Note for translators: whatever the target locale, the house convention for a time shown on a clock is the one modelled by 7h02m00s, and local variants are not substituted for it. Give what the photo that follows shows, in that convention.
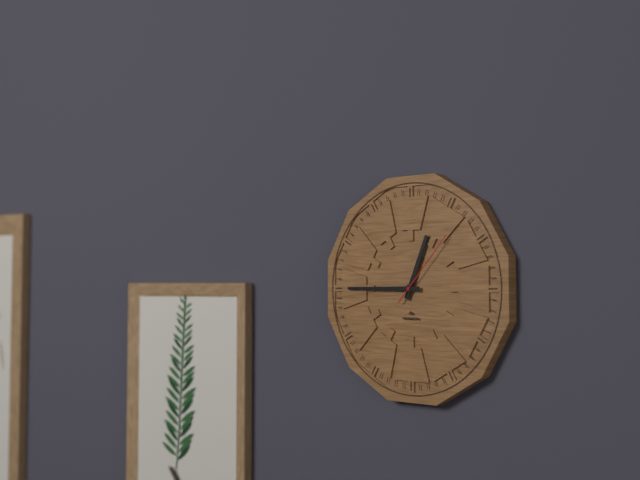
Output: 12h45m07s
